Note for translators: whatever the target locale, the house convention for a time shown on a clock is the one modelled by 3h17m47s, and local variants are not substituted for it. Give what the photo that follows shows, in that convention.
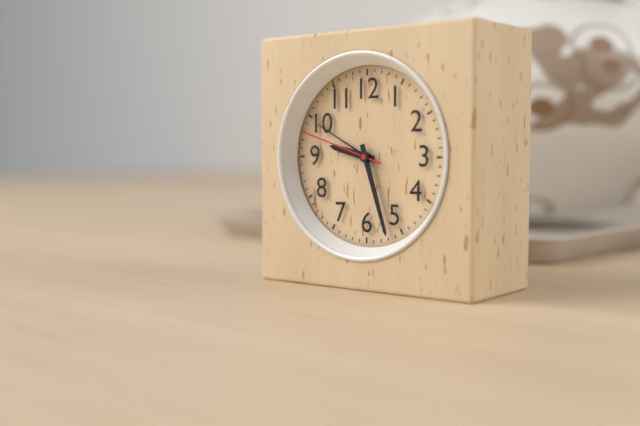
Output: 9h27m48s
